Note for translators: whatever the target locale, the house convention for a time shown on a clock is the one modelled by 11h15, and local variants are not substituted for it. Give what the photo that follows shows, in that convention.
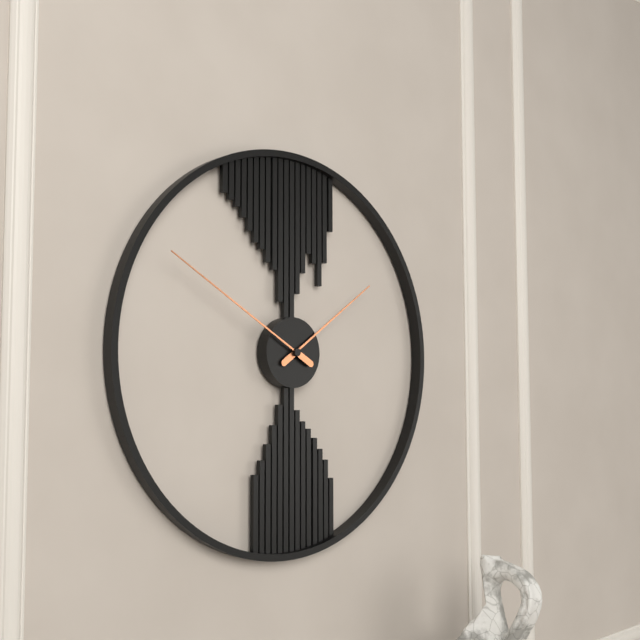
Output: 1h50
